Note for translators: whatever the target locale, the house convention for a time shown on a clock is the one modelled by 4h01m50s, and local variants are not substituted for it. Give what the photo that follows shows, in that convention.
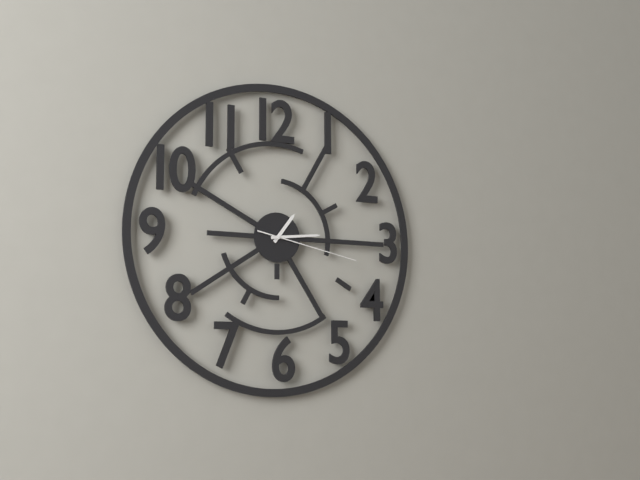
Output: 1h14m17s
